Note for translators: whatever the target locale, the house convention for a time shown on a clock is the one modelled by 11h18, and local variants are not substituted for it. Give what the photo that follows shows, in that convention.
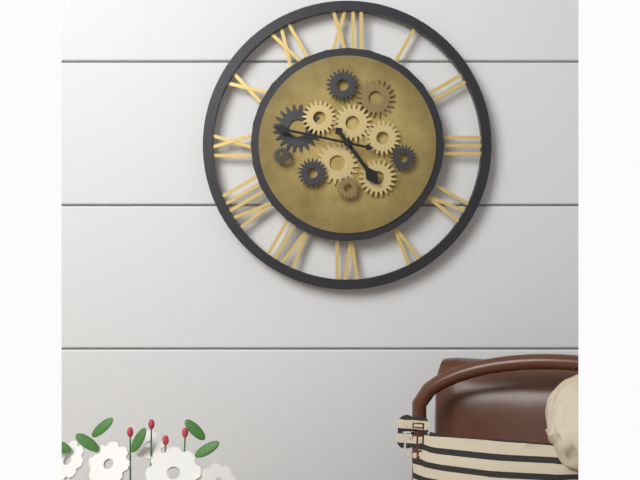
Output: 4h47
